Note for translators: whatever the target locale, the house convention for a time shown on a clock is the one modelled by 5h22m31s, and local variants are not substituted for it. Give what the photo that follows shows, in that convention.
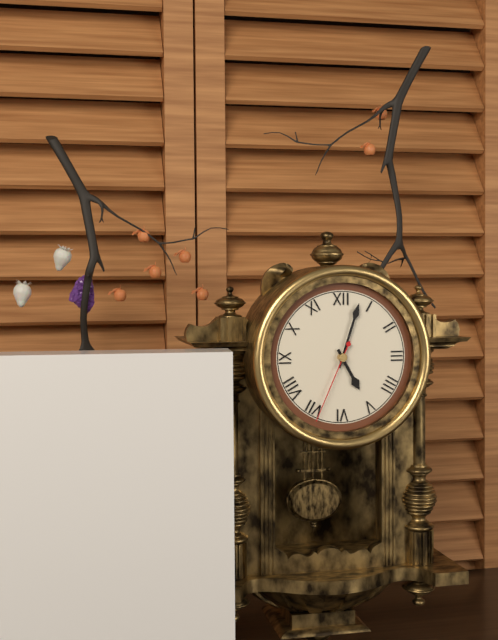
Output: 5h03m34s
